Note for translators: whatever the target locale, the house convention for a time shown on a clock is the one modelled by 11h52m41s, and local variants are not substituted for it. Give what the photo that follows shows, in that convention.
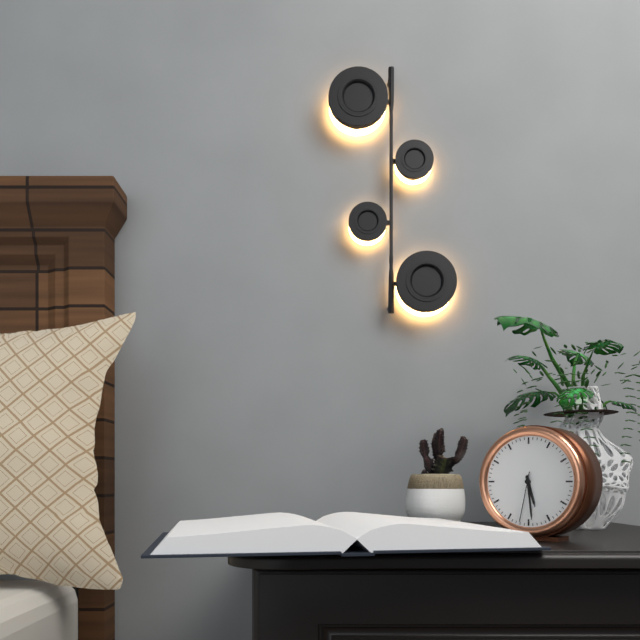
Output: 5h29m32s
